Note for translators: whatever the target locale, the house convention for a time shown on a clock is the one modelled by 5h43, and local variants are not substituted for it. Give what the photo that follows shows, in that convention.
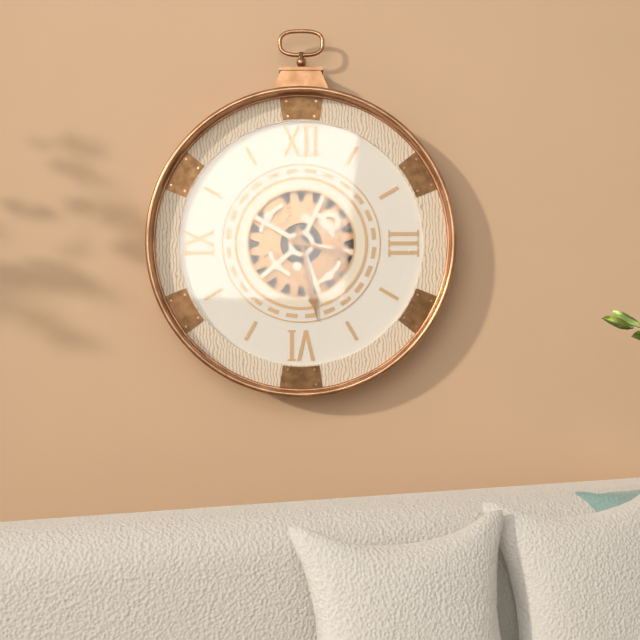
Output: 3h28
